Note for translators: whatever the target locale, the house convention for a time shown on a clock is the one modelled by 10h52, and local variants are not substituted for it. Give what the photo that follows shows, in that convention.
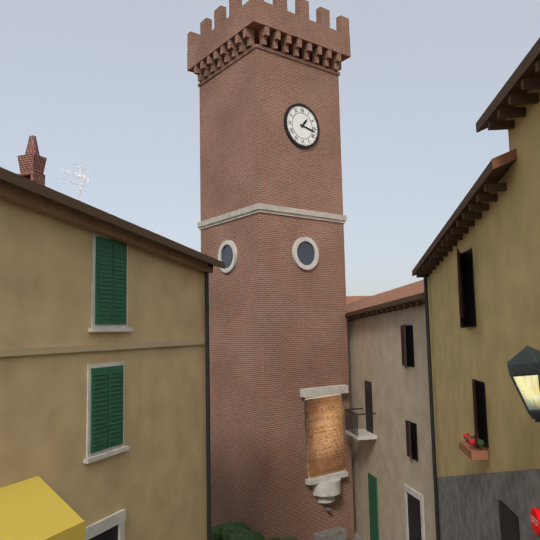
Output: 1h17
